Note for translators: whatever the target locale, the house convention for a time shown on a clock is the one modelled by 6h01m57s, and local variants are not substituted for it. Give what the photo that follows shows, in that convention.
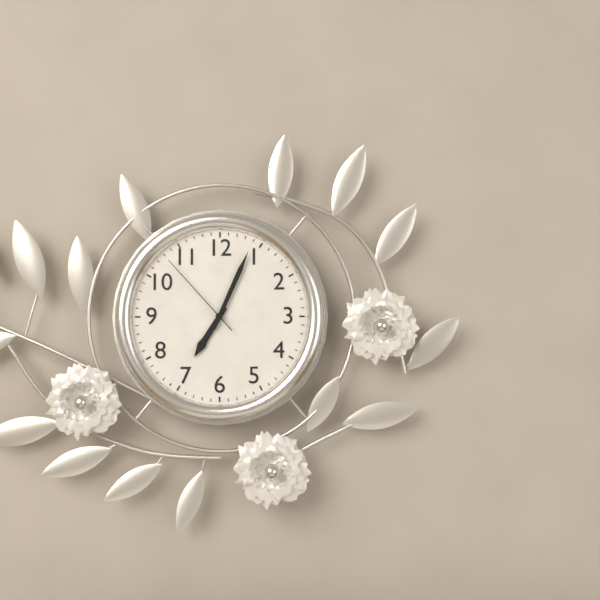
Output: 7h04m53s
